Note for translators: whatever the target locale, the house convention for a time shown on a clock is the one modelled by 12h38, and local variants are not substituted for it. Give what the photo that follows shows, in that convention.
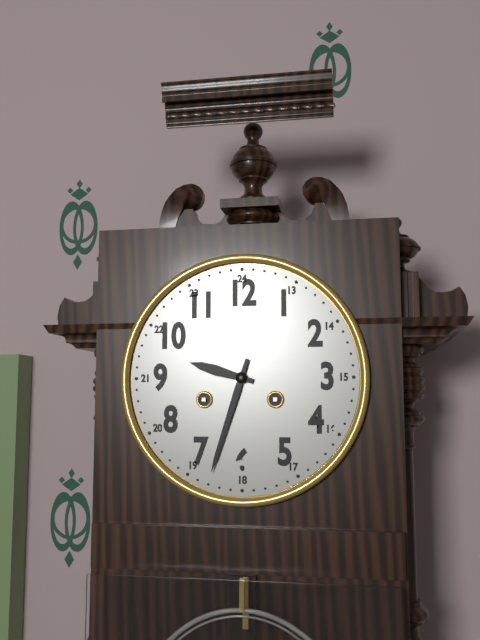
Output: 9h33
